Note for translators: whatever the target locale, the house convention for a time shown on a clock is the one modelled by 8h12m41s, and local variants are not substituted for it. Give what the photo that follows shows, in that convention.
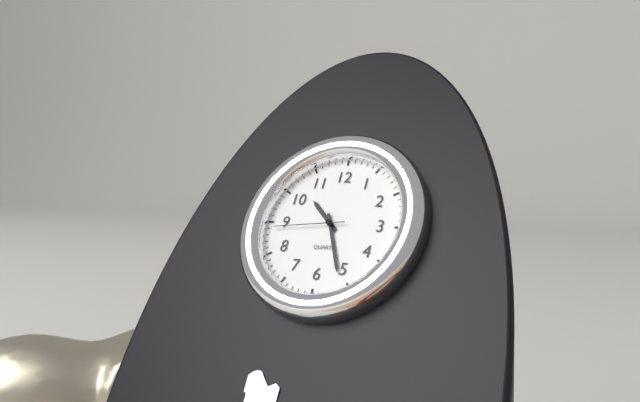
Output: 10h26m44s
